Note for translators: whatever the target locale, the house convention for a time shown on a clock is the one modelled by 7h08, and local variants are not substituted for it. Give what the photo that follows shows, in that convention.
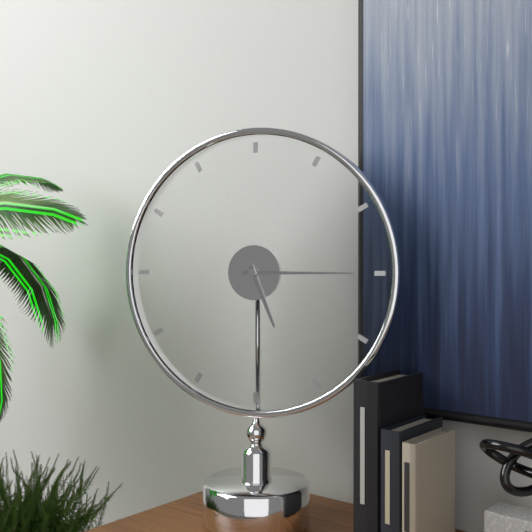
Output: 5h15
